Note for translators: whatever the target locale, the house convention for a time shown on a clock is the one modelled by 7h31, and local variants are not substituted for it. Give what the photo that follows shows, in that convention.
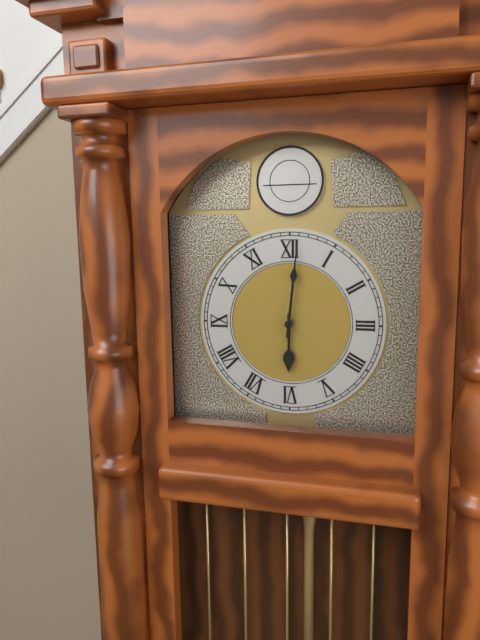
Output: 6h01
